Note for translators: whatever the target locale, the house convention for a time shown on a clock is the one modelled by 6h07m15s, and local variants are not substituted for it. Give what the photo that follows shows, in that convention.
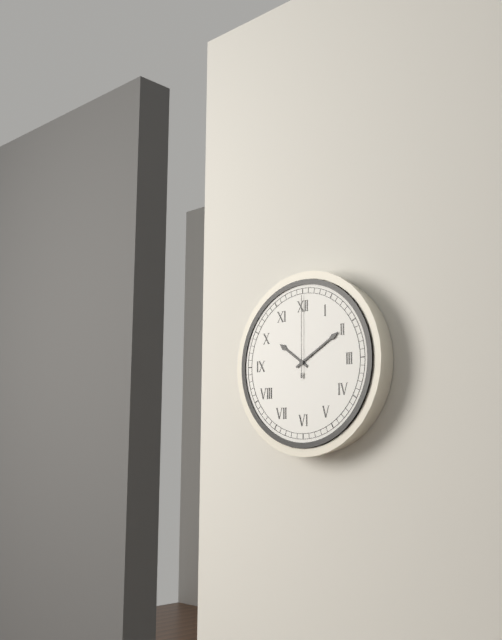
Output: 10h10m00s
